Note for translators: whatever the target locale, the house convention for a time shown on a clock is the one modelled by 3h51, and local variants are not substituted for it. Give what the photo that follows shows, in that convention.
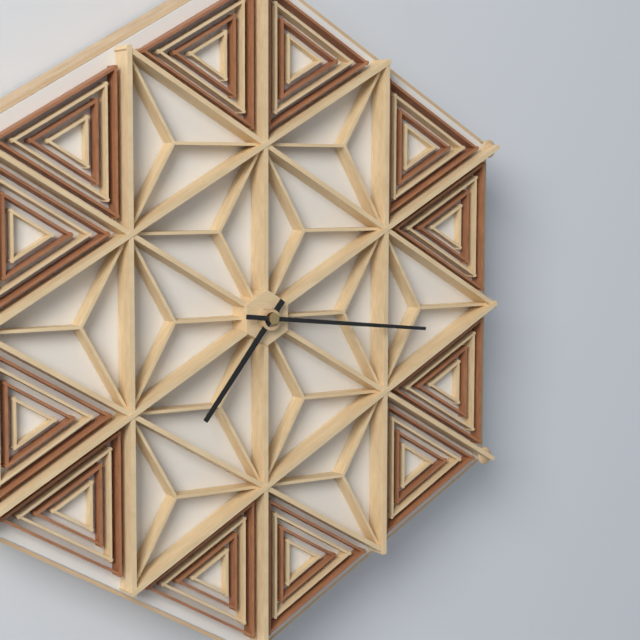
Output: 7h16
